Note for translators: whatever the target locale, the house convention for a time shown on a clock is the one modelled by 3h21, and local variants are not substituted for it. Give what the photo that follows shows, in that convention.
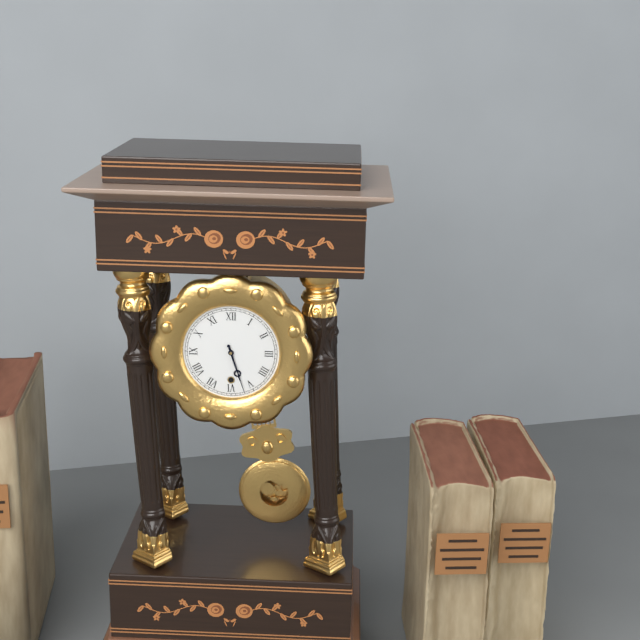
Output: 5h27
